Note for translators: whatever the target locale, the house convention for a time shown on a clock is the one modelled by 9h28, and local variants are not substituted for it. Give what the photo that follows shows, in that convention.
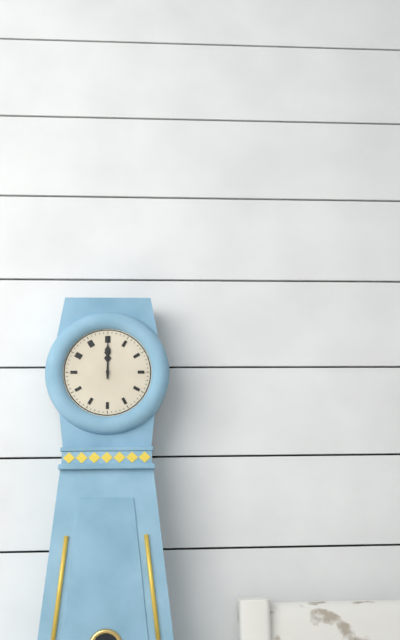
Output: 12h00
